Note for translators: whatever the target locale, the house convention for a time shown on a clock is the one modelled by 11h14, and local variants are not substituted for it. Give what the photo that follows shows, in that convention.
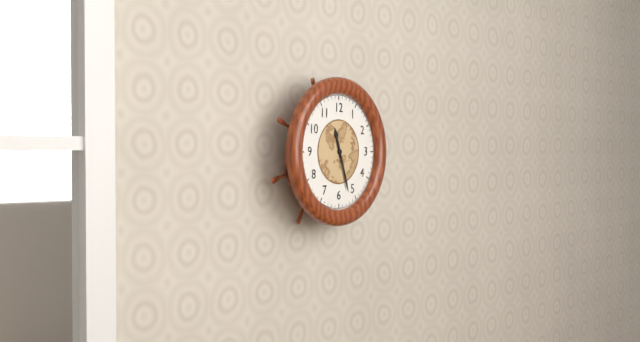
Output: 11h27
